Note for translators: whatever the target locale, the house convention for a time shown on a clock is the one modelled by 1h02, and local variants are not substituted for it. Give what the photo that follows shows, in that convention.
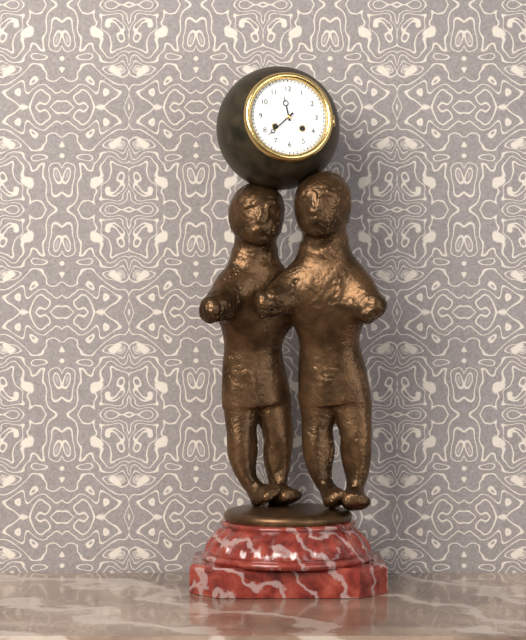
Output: 11h38
